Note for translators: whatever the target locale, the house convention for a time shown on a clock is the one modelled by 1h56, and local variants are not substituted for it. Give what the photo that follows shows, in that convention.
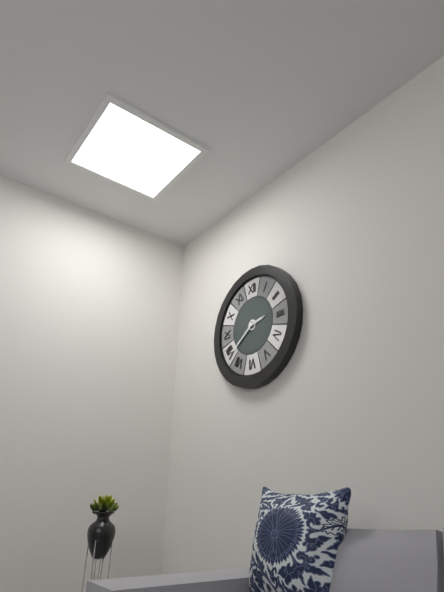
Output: 2h39
